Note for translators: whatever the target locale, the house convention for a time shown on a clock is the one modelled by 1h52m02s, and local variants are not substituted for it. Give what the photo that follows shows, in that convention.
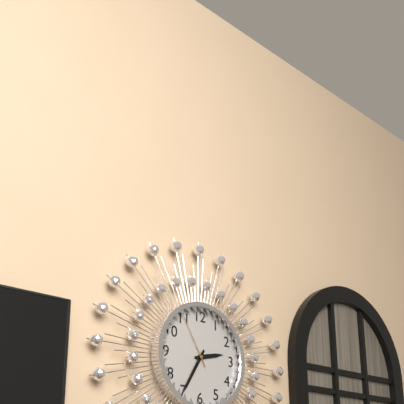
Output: 2h35m55s
